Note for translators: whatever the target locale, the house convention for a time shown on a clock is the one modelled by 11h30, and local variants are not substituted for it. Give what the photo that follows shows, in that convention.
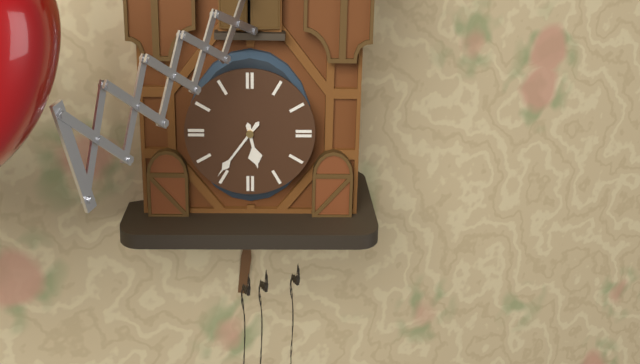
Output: 5h36
